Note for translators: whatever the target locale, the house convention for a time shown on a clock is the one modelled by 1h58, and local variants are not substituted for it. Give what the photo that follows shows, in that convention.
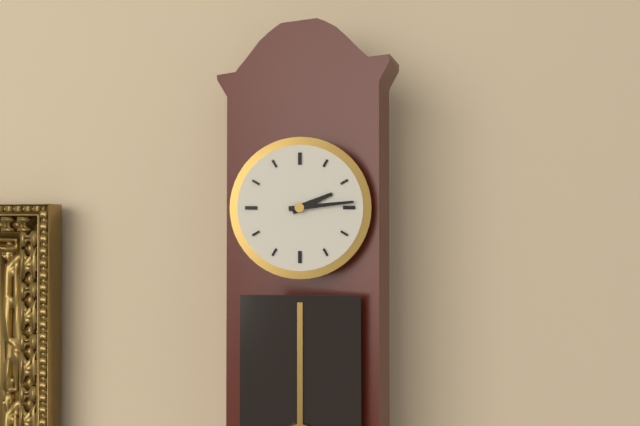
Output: 2h14
